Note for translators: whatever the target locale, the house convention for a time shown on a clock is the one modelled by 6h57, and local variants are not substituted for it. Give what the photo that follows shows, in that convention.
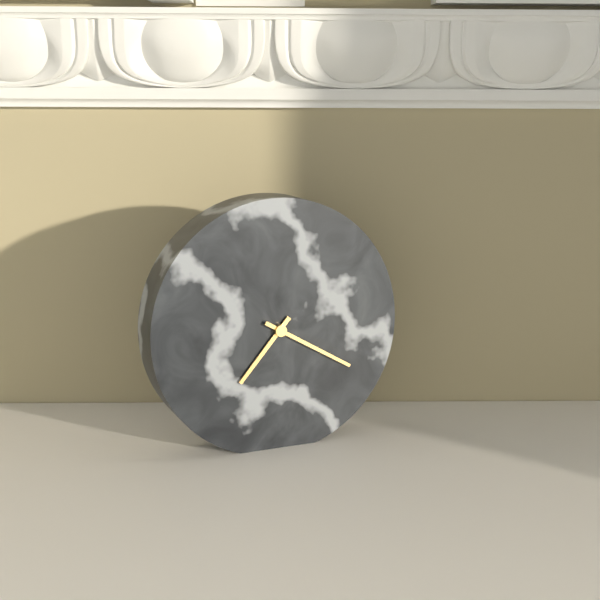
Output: 7h20
